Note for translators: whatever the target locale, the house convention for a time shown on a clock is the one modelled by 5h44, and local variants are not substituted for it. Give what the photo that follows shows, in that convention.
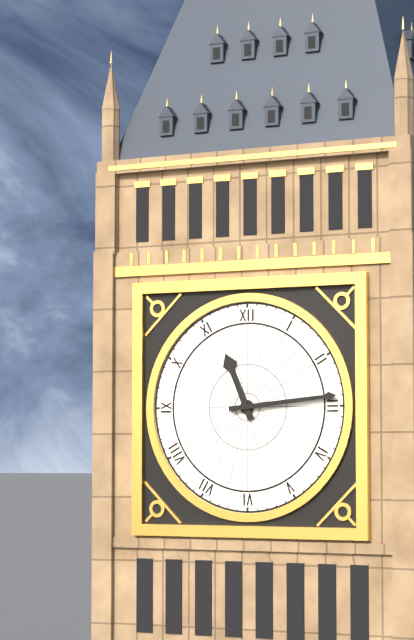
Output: 11h14
